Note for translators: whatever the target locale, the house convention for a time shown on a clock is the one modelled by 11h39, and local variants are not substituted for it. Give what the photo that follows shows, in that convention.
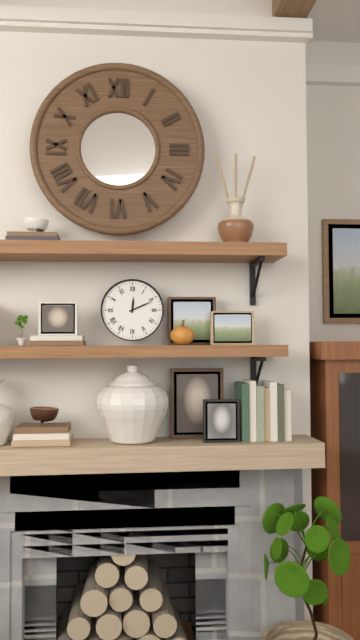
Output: 12h11
